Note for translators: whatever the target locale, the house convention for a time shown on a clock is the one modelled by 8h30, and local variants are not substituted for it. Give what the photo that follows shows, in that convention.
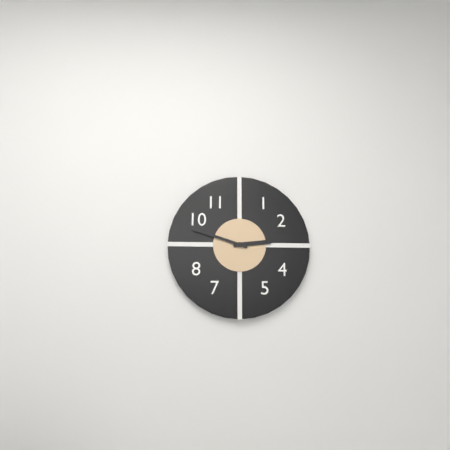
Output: 2h48
